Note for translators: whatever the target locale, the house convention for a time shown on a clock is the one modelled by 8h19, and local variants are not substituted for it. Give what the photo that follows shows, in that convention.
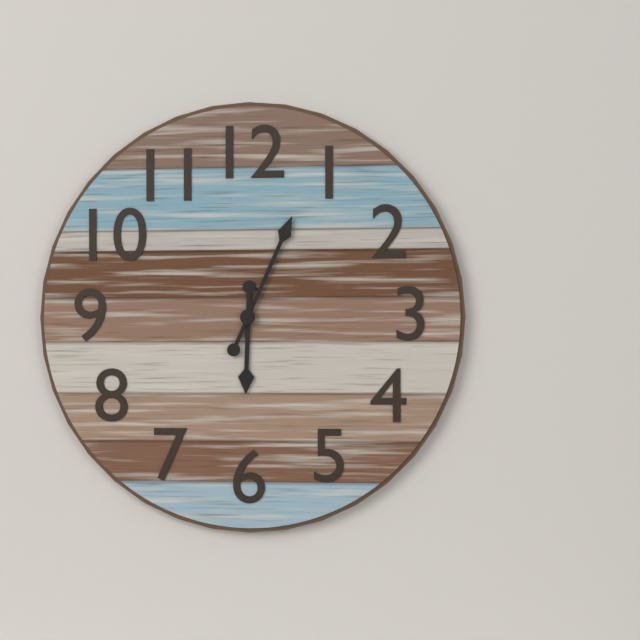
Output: 6h04
